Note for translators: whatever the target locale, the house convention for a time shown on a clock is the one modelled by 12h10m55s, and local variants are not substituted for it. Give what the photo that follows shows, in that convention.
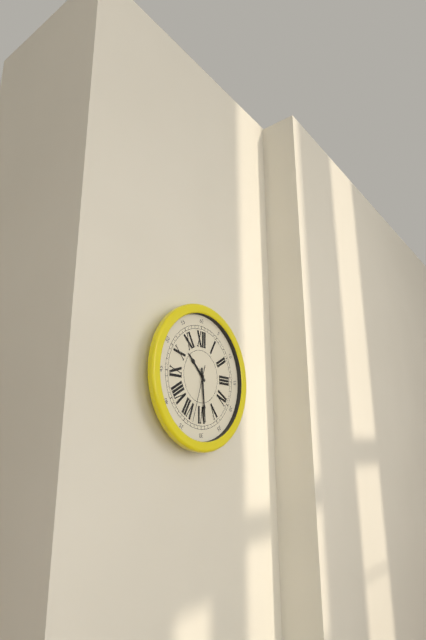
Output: 10h29m33s
